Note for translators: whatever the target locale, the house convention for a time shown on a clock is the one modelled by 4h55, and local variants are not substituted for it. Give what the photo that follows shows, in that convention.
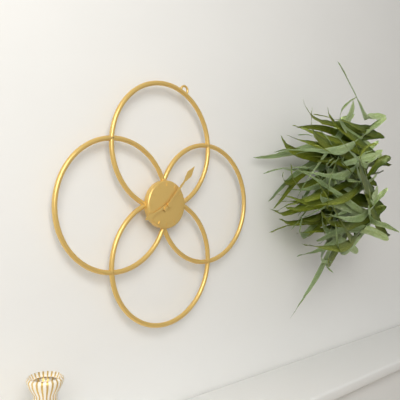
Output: 8h07
